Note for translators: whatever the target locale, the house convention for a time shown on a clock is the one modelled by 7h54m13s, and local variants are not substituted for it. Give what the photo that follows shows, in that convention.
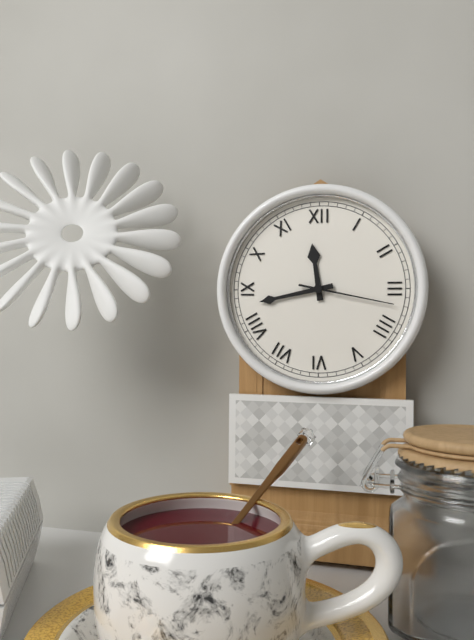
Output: 11h43m17s
